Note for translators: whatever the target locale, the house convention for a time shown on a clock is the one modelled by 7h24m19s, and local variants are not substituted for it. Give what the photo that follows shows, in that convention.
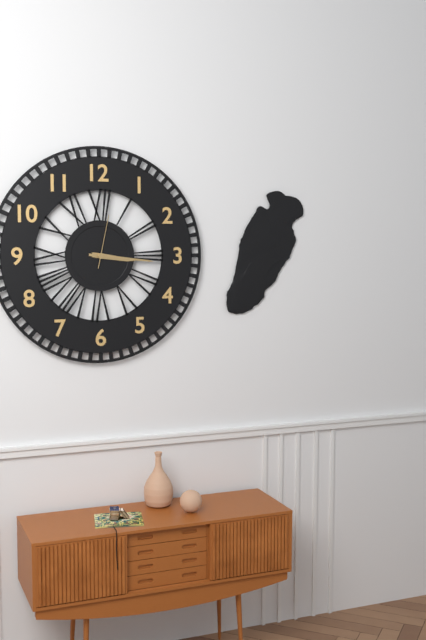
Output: 3h16m02s
